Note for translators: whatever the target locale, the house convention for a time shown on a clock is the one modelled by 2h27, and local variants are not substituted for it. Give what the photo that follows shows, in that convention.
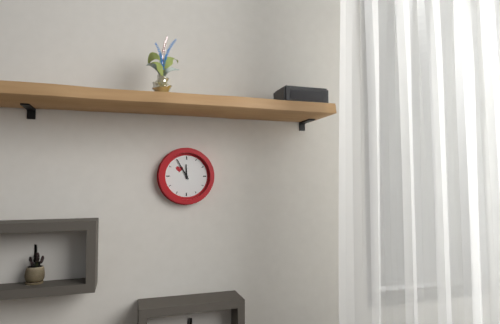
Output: 11h55
